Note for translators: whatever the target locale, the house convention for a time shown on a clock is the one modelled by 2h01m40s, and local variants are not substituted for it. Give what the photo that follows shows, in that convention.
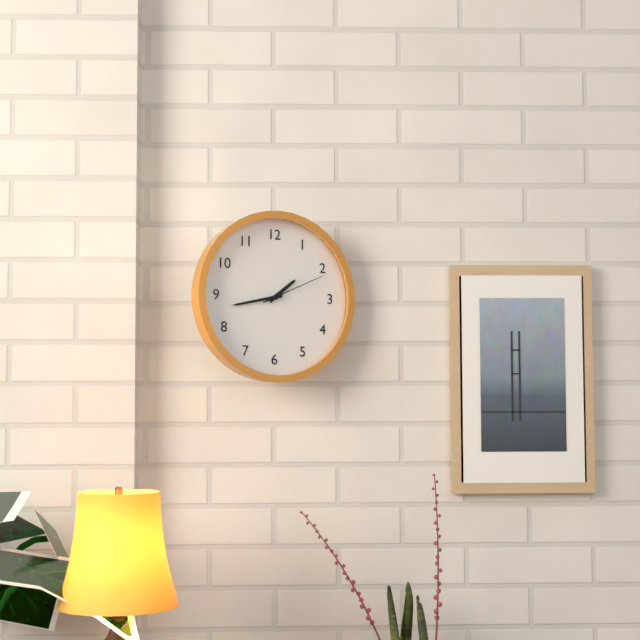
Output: 1h43m11s
